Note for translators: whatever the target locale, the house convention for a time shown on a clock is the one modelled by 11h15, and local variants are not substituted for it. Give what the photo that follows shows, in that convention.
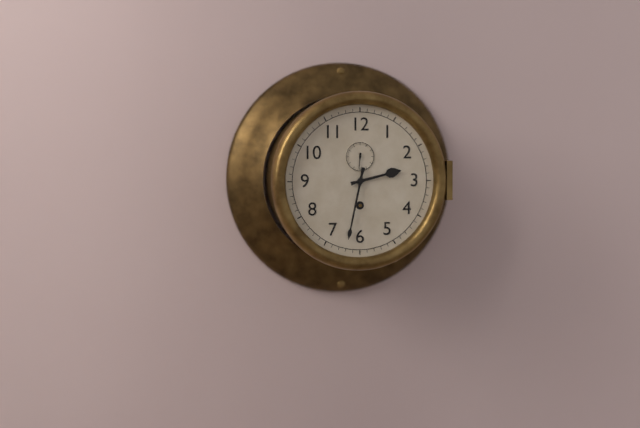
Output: 2h32
